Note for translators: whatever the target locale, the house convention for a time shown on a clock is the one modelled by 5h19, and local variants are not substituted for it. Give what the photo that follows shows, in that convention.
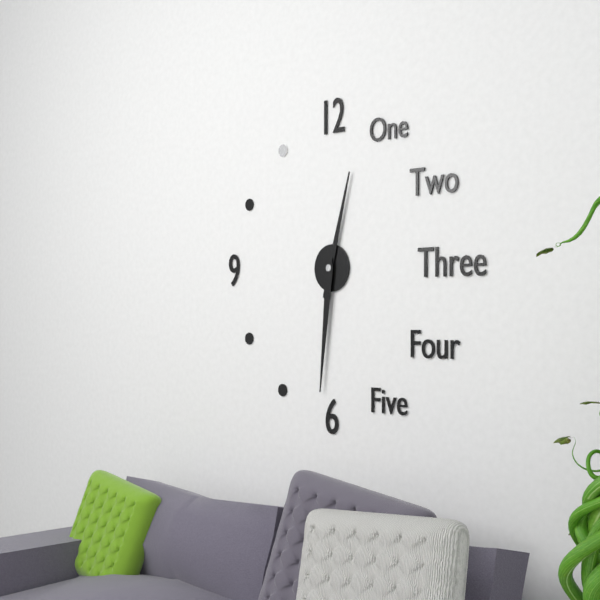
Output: 12h31
